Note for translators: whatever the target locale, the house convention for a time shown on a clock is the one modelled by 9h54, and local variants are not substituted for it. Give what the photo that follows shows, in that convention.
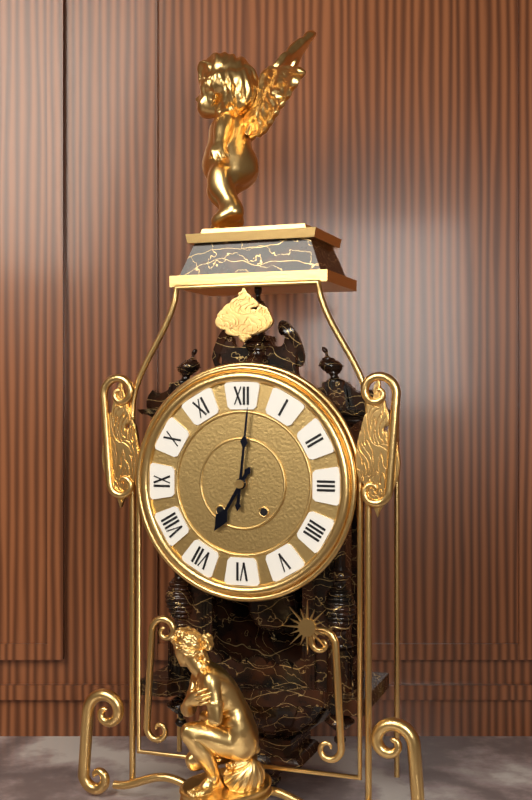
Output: 7h01
